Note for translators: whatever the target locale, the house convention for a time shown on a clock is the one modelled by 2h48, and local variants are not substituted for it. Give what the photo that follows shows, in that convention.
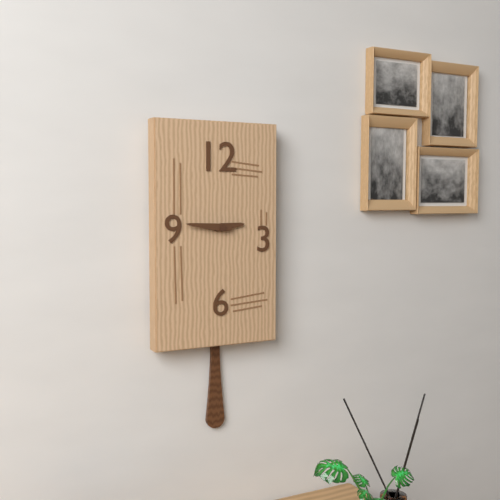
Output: 2h46
